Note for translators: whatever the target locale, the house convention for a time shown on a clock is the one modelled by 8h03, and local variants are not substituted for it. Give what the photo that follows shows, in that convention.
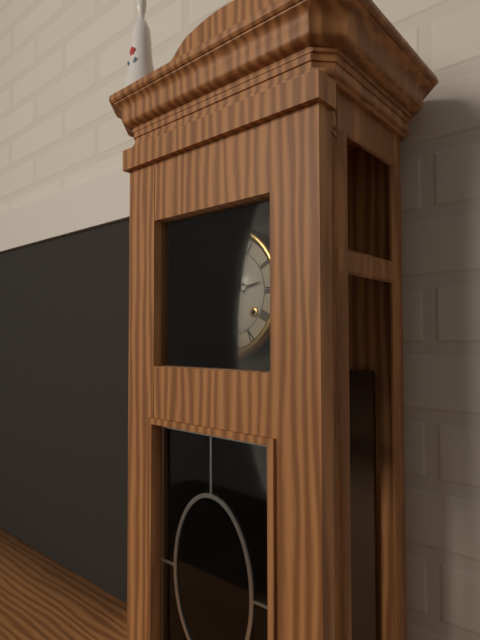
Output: 1h13
